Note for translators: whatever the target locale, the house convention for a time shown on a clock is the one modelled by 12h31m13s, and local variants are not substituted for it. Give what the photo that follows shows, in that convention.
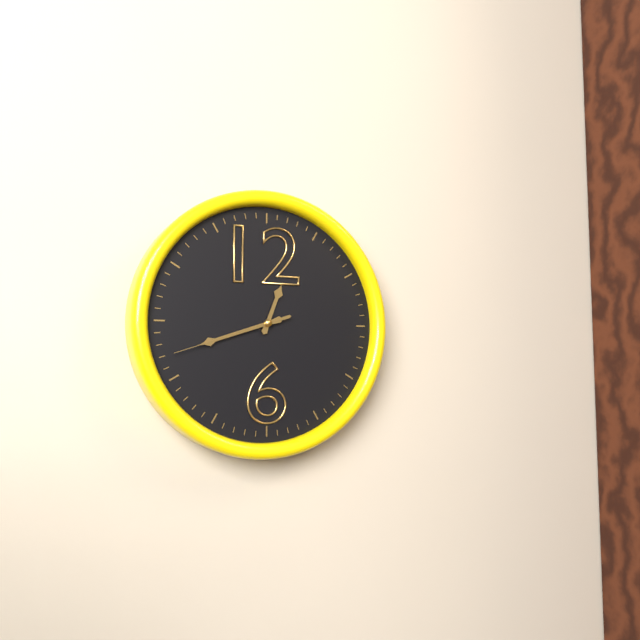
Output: 12h42m42s
